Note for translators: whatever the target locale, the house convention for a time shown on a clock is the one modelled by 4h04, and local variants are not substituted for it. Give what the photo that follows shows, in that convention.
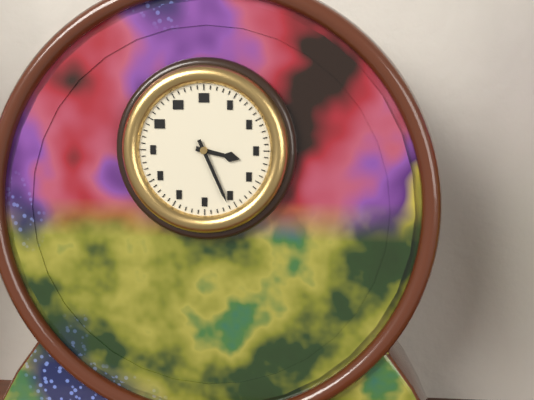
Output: 3h26
